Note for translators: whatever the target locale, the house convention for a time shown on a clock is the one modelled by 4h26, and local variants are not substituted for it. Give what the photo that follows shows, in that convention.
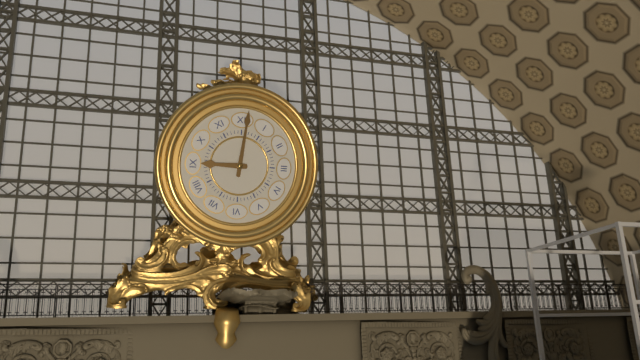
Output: 9h01
